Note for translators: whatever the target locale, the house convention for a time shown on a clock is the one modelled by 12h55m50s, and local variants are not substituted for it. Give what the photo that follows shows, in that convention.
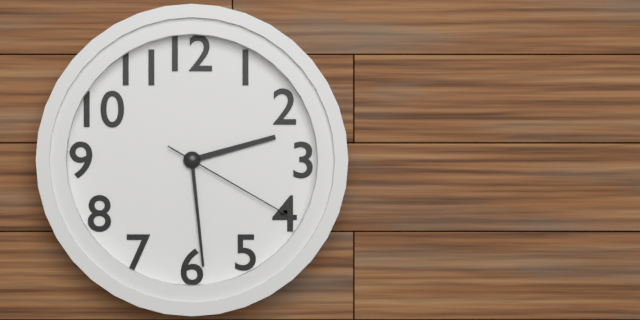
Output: 2h29m20s
